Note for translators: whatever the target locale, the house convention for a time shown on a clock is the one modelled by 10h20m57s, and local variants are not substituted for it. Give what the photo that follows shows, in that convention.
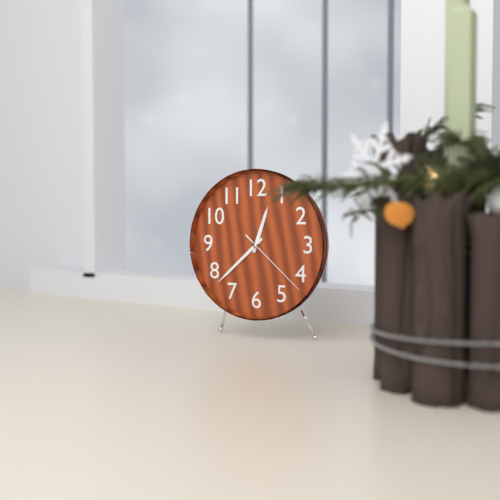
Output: 12h38m22s
